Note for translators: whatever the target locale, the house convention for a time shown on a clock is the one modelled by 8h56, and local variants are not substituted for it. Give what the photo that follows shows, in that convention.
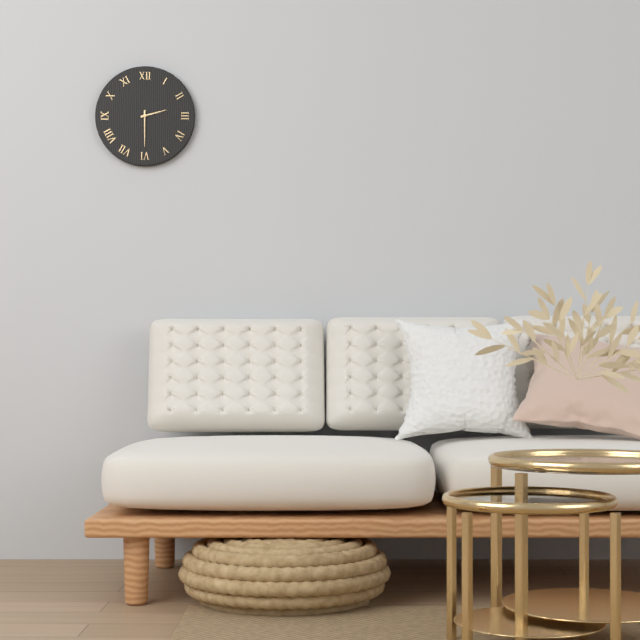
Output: 2h30
